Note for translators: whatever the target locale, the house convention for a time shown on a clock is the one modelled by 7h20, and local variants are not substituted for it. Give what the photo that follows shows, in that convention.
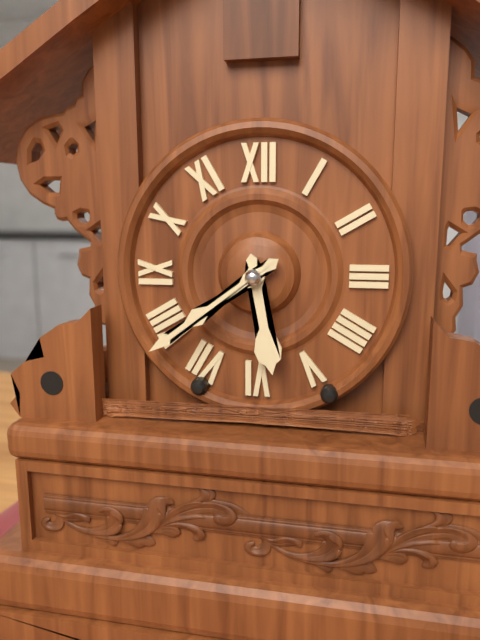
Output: 5h39
